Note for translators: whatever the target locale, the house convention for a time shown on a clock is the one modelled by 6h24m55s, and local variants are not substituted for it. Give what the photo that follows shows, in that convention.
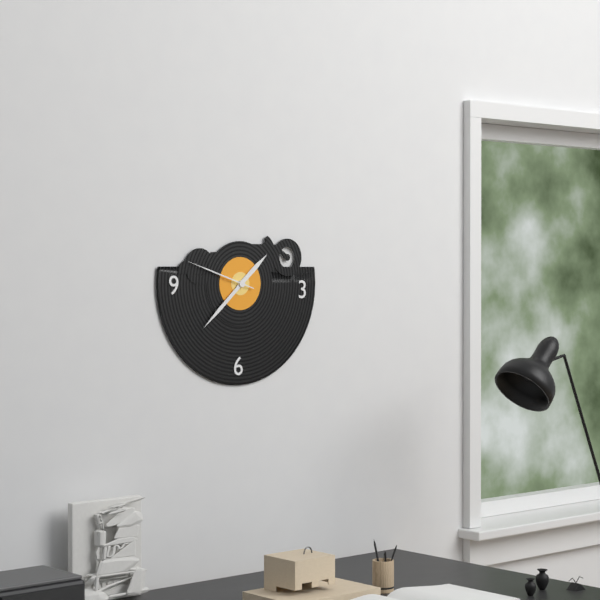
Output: 1h38m48s
